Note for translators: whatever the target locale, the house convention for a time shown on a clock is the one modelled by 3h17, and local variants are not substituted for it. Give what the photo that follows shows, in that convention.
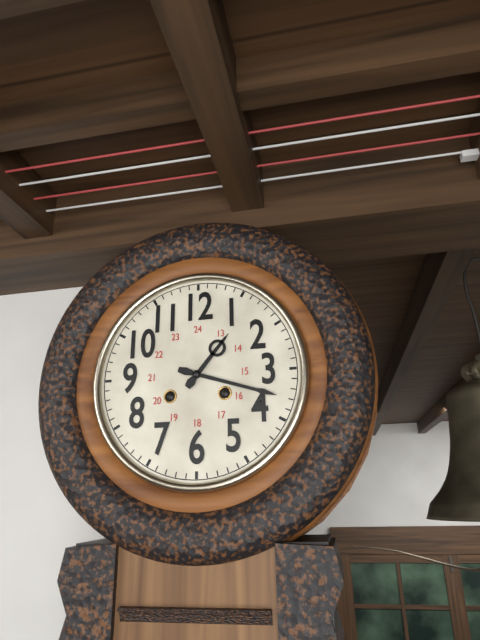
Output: 1h18
